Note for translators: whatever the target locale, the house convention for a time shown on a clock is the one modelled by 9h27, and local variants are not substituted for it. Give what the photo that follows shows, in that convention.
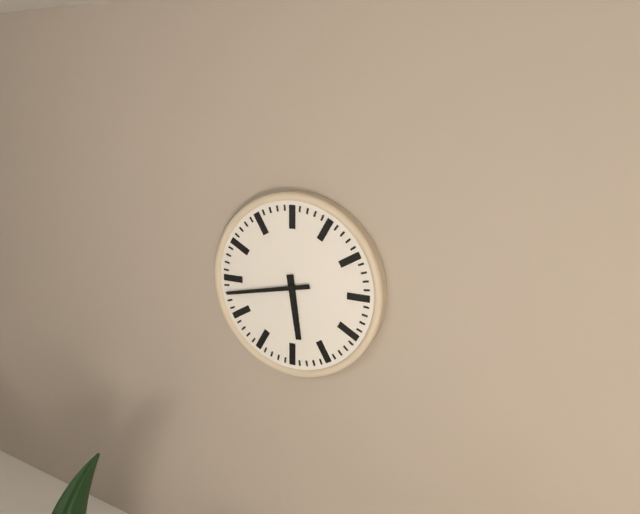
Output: 5h43
